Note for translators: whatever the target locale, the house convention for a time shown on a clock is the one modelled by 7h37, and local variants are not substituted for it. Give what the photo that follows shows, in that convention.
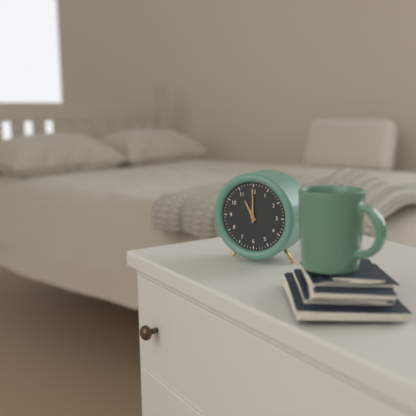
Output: 11h00
